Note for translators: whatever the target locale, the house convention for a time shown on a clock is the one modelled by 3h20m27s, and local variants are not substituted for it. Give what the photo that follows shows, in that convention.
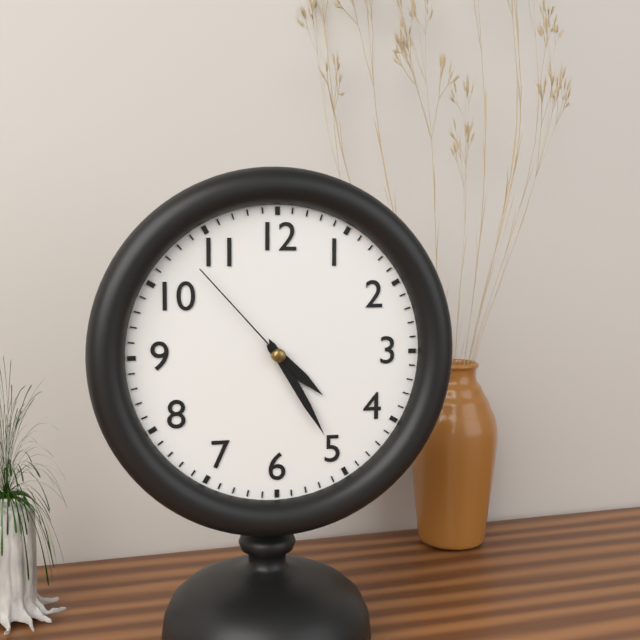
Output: 4h25m53s
